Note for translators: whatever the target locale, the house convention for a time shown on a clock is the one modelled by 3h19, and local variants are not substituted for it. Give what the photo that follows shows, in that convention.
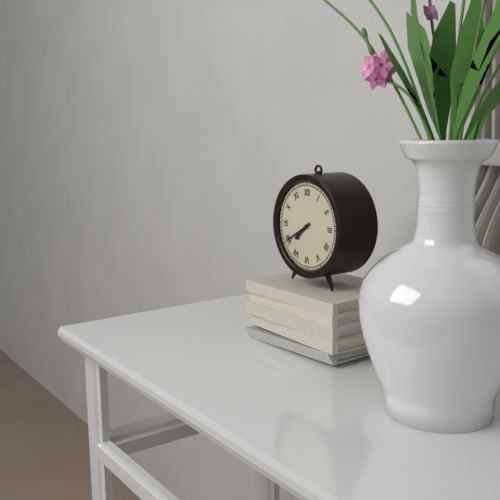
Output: 7h40
